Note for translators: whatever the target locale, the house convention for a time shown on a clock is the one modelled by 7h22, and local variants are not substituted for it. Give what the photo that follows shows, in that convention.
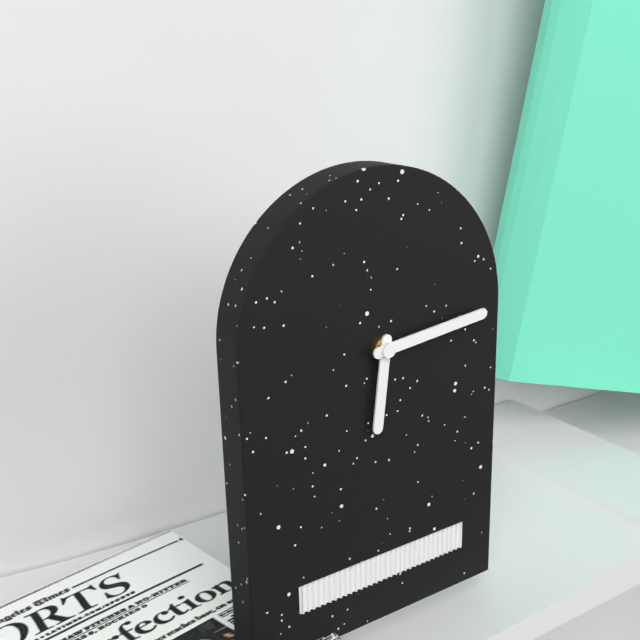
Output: 6h14
